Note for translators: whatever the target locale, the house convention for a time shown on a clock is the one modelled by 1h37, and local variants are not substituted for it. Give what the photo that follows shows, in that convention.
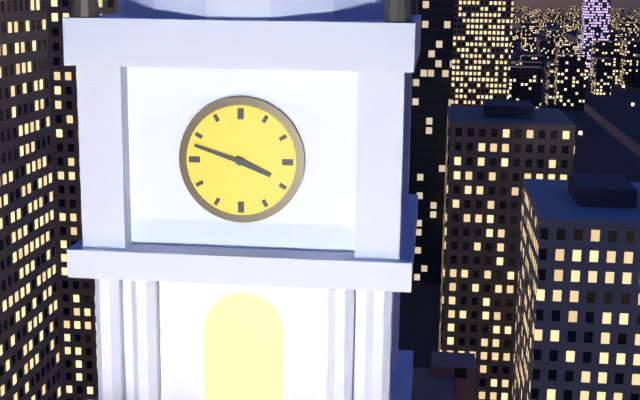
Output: 3h48
